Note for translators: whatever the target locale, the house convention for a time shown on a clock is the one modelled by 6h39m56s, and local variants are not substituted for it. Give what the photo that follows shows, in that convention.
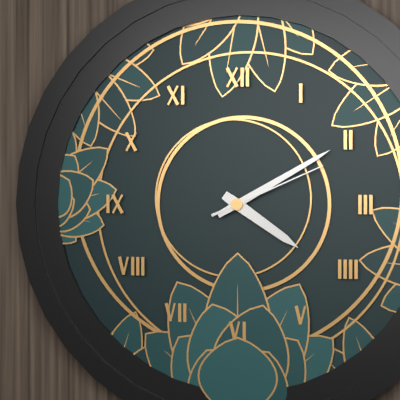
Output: 4h10m11s
